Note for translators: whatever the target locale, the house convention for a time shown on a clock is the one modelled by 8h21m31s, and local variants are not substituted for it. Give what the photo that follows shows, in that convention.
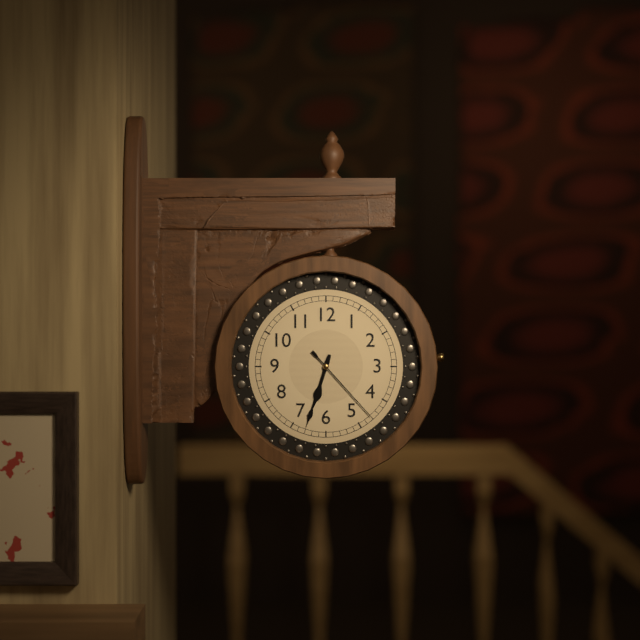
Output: 6h33m23s
